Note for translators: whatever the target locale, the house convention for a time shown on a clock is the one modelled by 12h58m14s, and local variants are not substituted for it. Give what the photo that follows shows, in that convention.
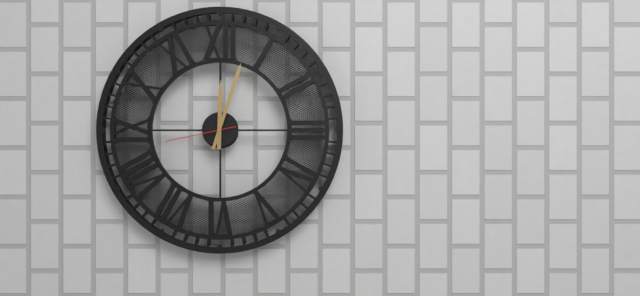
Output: 12h03m43s
